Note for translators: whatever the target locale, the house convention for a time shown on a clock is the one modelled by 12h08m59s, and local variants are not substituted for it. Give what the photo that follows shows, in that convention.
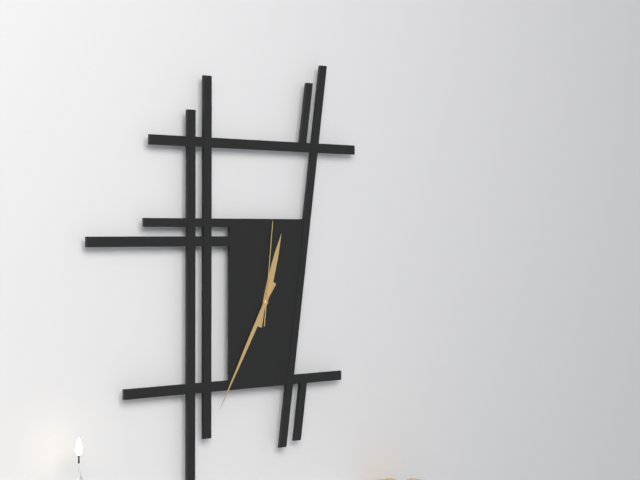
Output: 12h35m01s
